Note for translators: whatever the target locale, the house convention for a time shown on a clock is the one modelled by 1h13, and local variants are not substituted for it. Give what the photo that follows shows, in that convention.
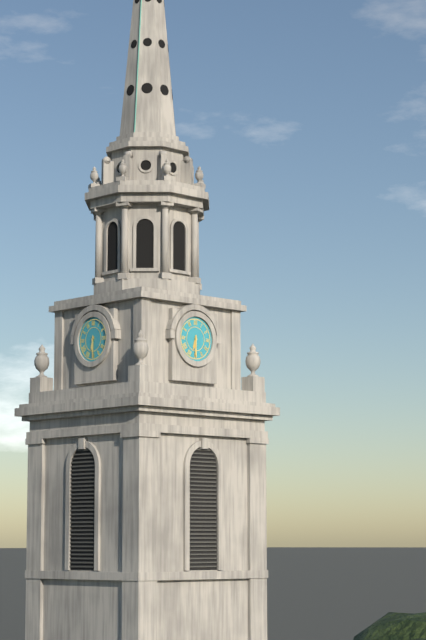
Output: 6h30
